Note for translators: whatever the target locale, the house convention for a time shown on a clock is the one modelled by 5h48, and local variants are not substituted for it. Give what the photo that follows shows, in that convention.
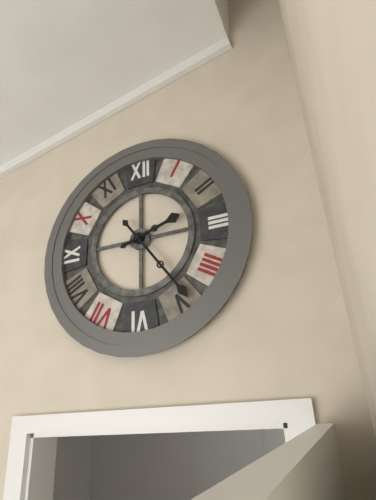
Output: 2h24
